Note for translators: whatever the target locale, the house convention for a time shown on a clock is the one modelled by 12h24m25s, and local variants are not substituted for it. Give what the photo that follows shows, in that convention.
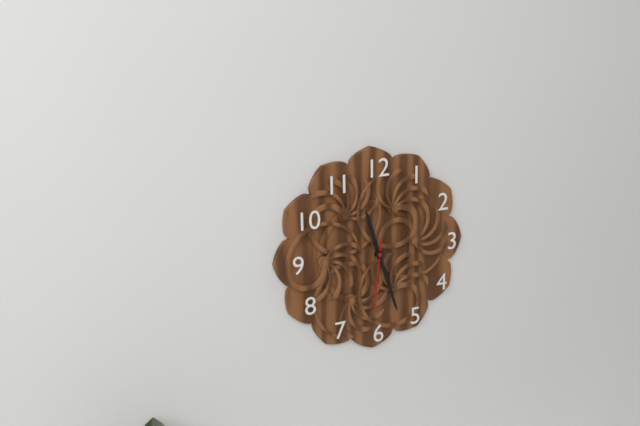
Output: 11h27m31s
